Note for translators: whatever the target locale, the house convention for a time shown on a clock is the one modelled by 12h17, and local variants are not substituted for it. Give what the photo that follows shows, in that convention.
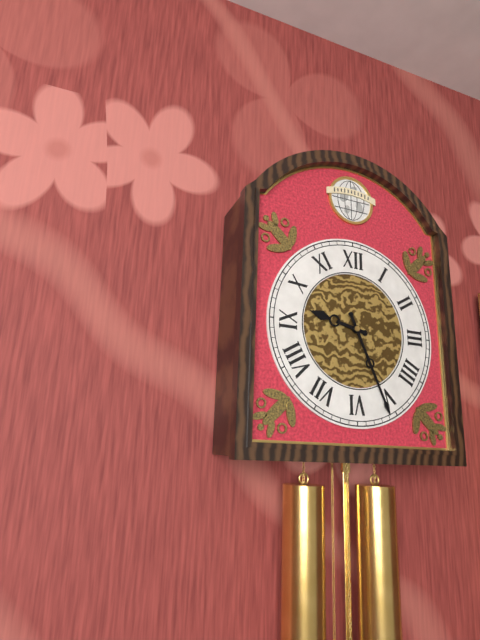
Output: 9h26
